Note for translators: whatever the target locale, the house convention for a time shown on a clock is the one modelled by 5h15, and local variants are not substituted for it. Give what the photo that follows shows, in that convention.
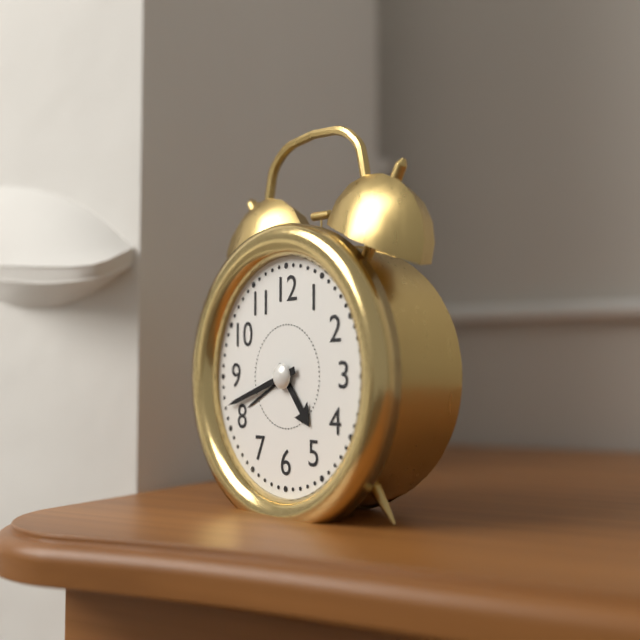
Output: 4h42
